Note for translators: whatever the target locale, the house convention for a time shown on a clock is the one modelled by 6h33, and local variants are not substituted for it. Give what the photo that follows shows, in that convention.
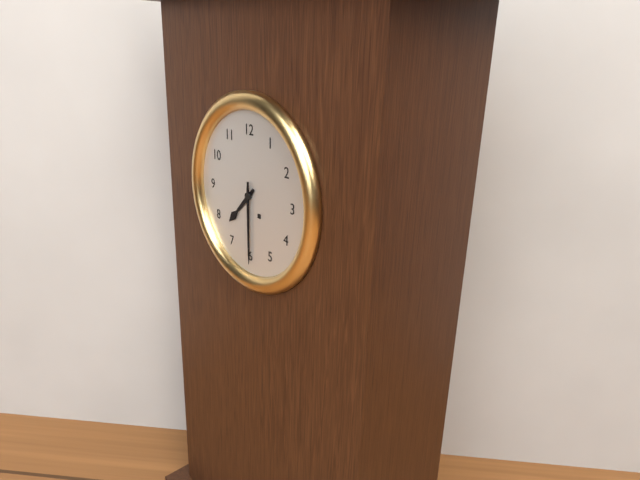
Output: 7h30
